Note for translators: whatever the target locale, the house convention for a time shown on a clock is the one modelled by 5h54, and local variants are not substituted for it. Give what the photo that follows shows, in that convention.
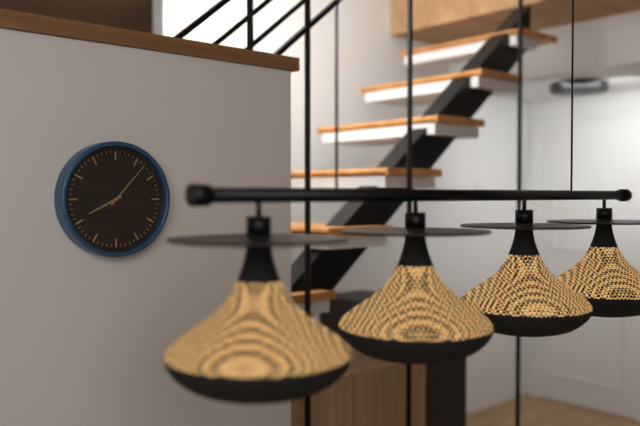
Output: 8h07
